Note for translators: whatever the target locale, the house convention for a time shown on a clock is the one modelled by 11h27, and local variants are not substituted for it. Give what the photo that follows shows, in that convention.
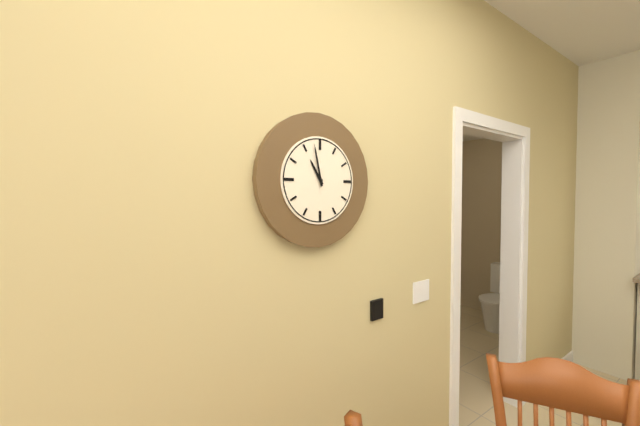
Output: 10h58
